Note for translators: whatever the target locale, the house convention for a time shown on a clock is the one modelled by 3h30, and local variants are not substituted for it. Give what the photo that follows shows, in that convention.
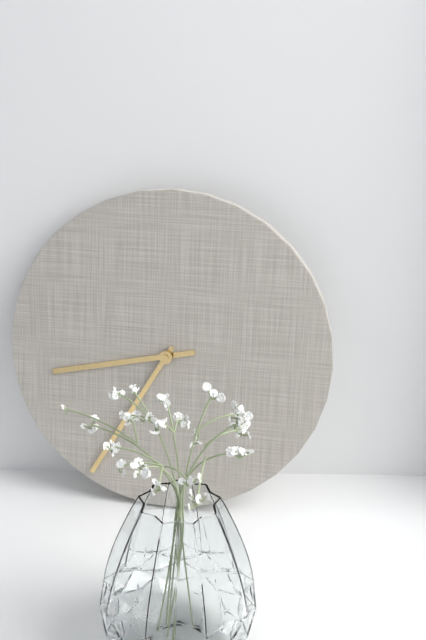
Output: 8h35
